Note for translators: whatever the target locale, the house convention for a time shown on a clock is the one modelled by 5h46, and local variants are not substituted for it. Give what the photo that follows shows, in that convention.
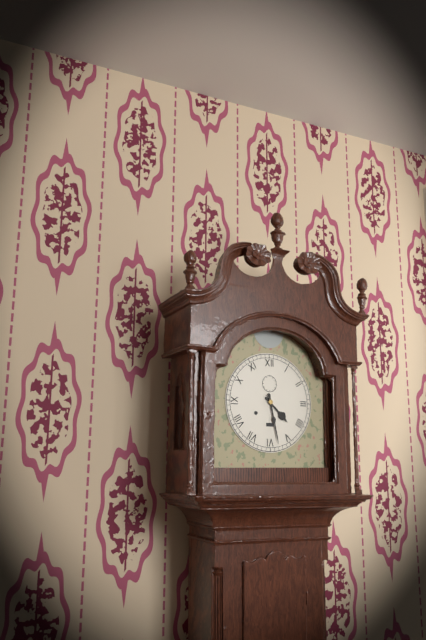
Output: 4h28
